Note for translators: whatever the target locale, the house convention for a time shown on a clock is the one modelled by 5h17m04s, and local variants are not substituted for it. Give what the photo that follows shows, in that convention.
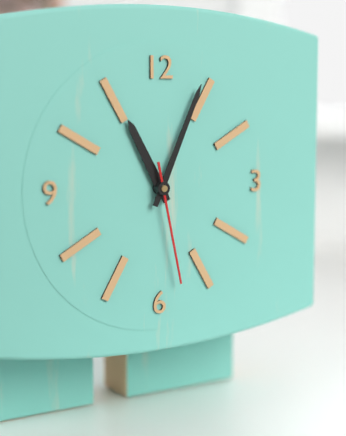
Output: 11h04m28s
